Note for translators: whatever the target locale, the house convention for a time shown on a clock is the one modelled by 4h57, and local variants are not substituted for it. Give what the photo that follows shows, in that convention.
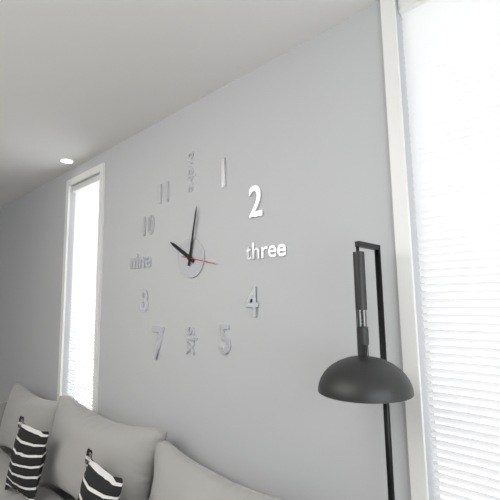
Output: 10h02
